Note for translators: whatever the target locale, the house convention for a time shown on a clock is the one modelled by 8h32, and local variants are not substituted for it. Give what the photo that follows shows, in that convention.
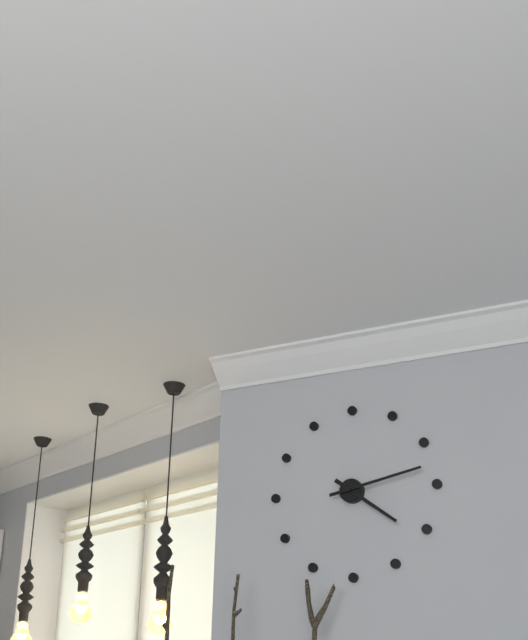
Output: 4h13
